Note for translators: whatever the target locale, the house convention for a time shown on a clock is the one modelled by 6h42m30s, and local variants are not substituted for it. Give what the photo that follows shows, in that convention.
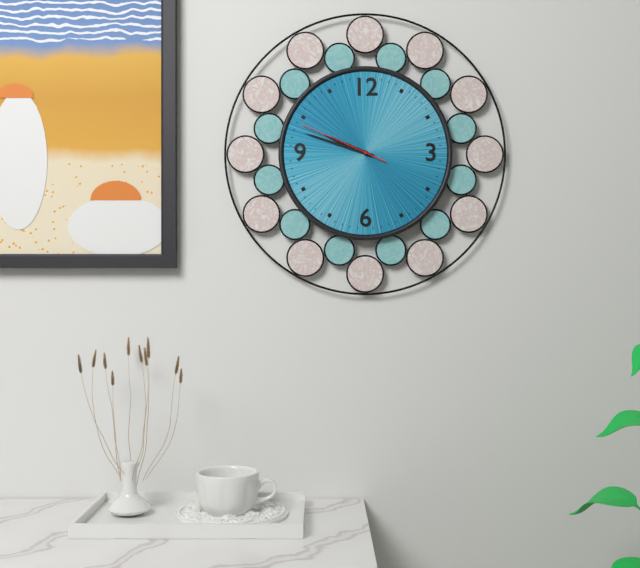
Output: 9h48m49s
